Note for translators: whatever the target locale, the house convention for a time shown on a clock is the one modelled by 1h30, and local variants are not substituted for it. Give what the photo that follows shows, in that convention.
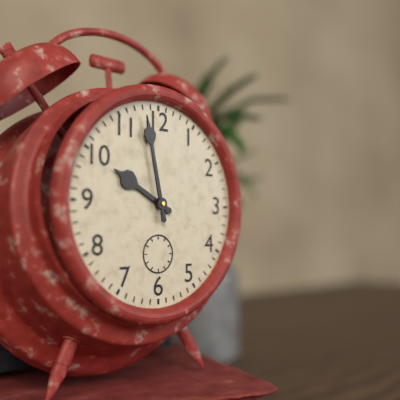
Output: 9h58
